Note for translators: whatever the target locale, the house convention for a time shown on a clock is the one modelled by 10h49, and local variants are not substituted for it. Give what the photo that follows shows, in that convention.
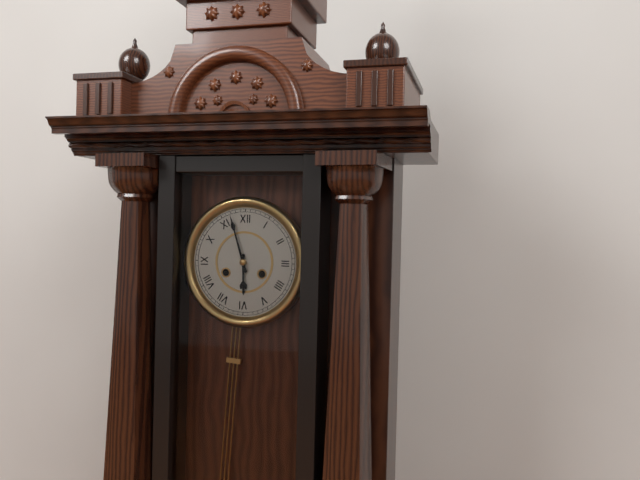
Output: 5h57
